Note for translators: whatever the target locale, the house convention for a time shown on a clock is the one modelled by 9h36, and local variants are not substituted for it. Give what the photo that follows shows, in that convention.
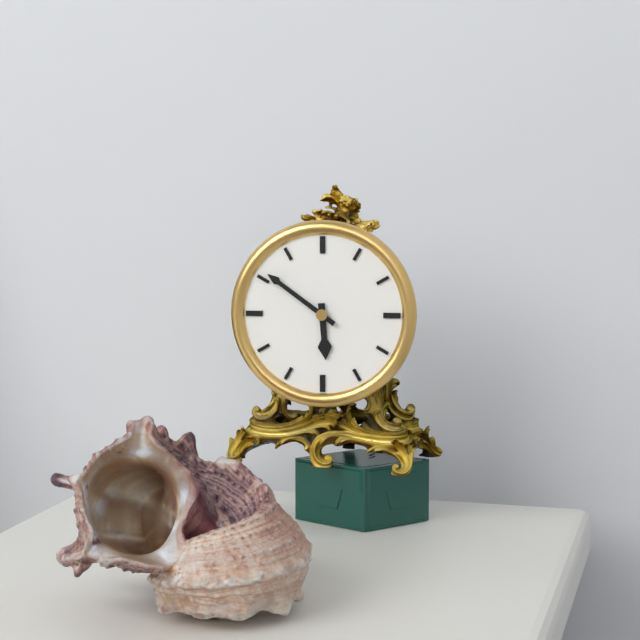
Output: 5h51
